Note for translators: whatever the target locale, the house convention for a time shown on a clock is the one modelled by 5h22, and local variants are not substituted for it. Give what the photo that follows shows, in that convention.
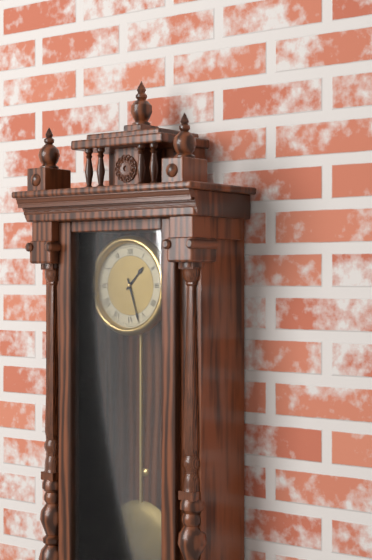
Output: 1h27
